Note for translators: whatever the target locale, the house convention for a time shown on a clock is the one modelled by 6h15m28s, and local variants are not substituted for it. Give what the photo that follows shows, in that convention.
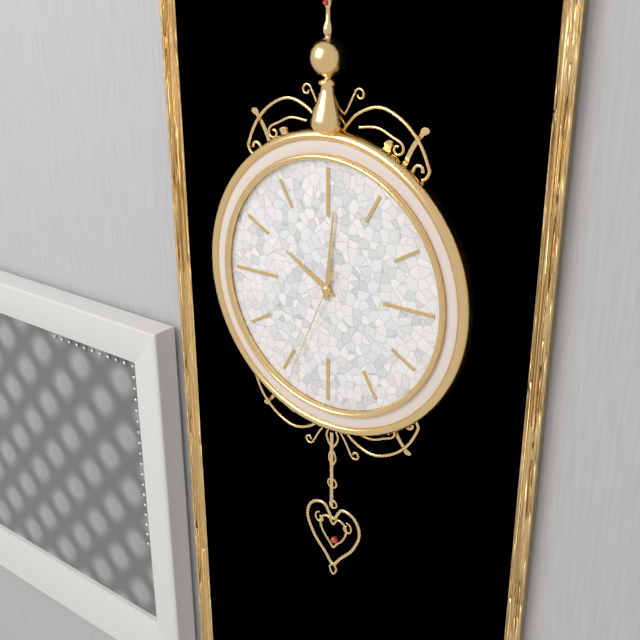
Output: 10h01m34s
